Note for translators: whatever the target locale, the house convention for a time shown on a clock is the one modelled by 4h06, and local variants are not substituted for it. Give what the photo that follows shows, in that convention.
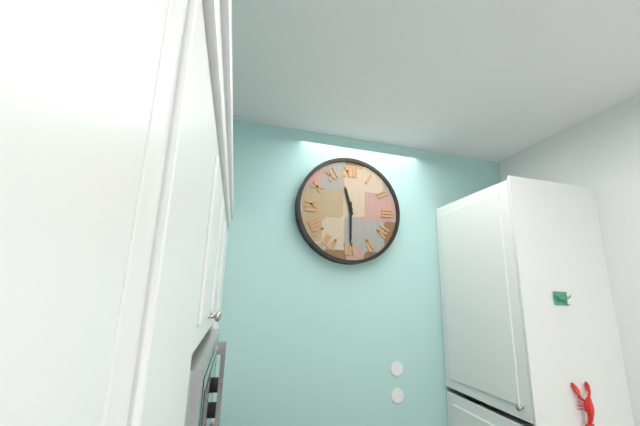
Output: 11h30
